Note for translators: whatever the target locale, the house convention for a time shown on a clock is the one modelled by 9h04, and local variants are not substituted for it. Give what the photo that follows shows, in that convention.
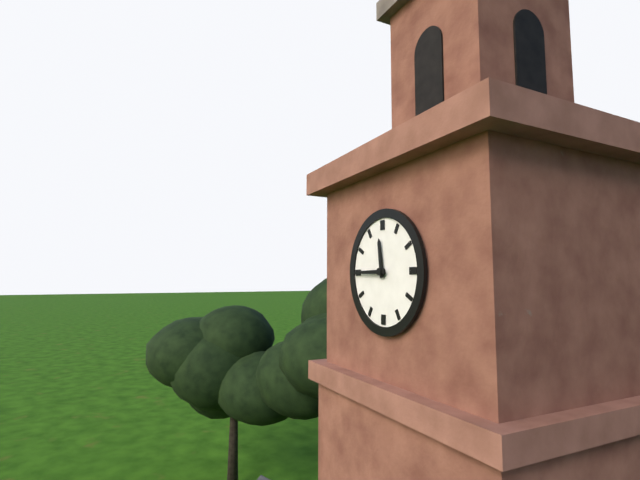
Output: 11h45
